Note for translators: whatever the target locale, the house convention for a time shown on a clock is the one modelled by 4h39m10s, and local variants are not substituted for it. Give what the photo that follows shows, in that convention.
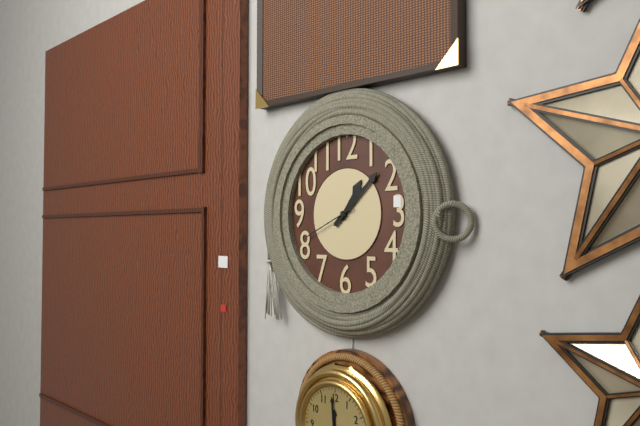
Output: 1h08m41s
